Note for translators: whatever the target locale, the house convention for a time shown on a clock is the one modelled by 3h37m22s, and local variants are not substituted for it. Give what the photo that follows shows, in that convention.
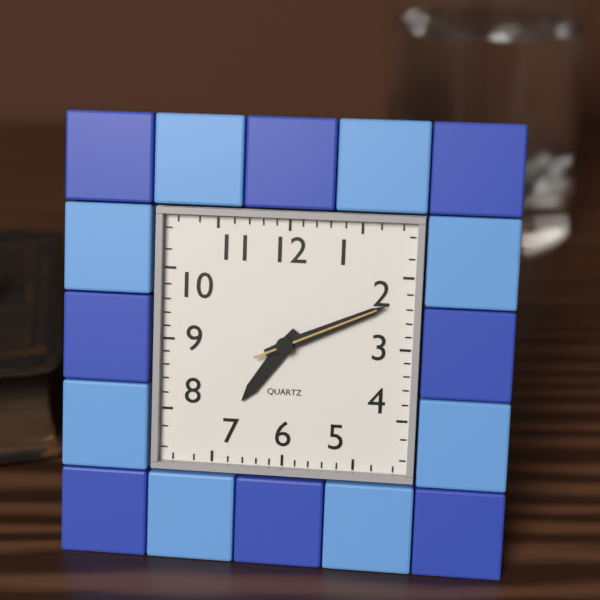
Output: 7h11m11s
